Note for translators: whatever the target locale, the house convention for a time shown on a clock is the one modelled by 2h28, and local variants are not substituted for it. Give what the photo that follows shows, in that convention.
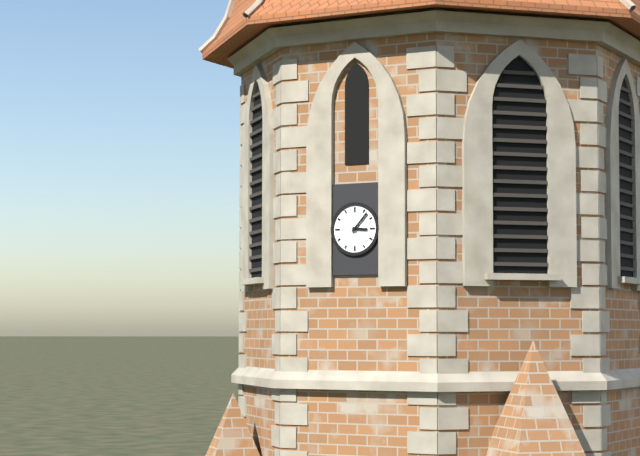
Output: 3h07
